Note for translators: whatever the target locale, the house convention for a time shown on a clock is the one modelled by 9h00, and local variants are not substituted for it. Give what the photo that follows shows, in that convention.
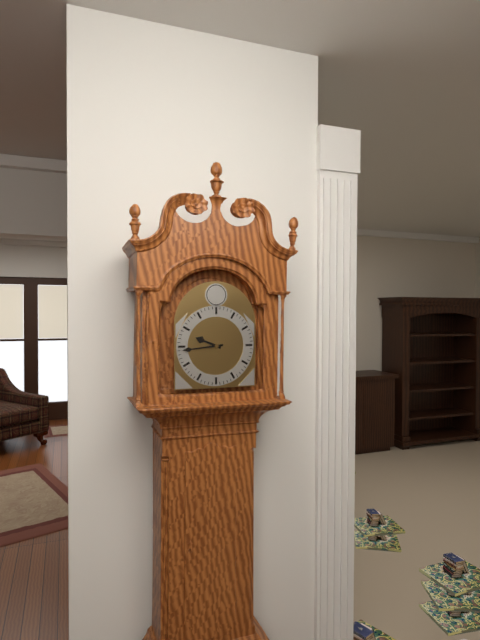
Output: 9h44
